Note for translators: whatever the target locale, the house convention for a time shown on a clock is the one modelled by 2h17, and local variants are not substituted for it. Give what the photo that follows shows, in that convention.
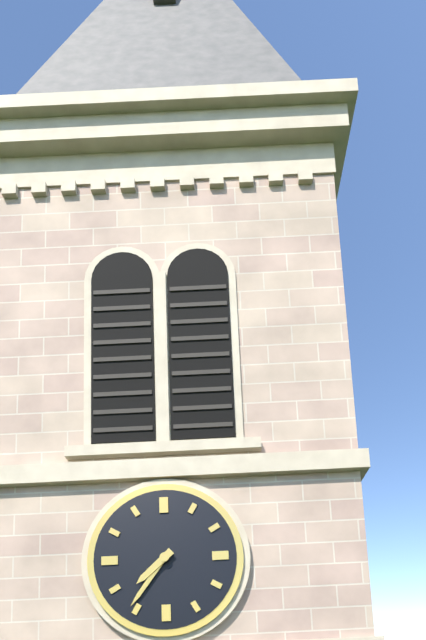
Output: 7h36
